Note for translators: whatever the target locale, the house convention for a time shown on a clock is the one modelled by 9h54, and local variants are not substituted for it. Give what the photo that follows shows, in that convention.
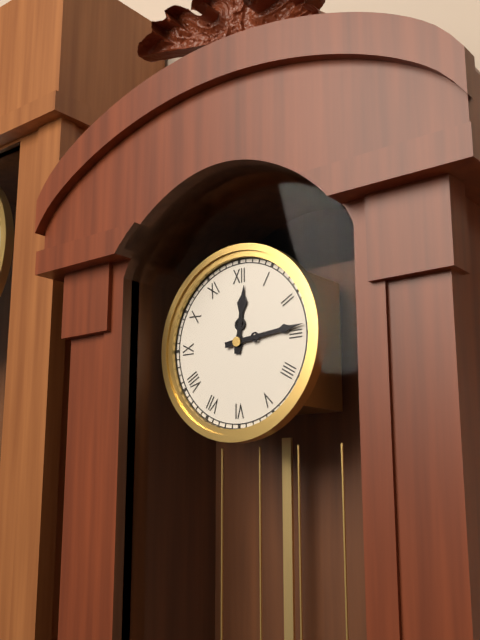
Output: 12h14
